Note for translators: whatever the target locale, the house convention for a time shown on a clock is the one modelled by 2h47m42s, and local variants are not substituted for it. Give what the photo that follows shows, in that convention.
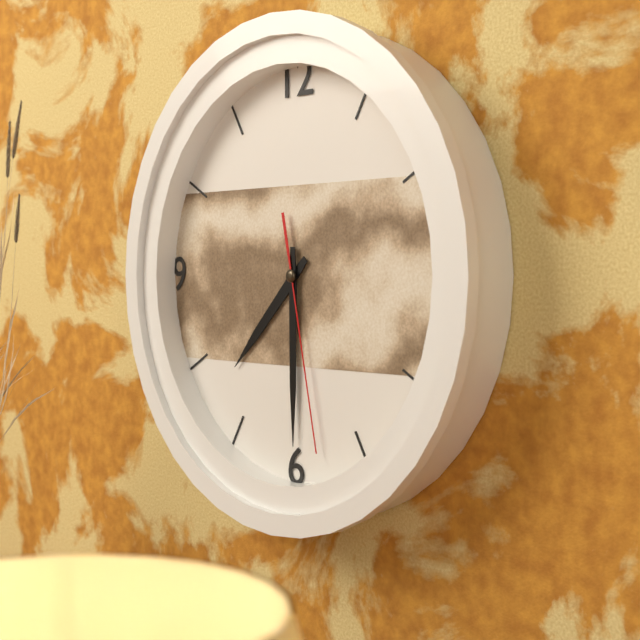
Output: 7h30m28s
